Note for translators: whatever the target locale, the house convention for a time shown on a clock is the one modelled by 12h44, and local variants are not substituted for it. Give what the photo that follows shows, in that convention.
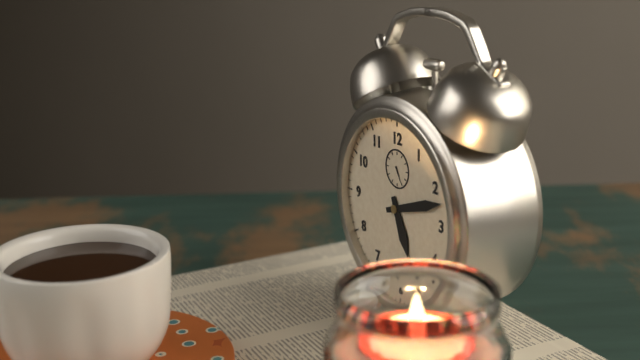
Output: 5h12
